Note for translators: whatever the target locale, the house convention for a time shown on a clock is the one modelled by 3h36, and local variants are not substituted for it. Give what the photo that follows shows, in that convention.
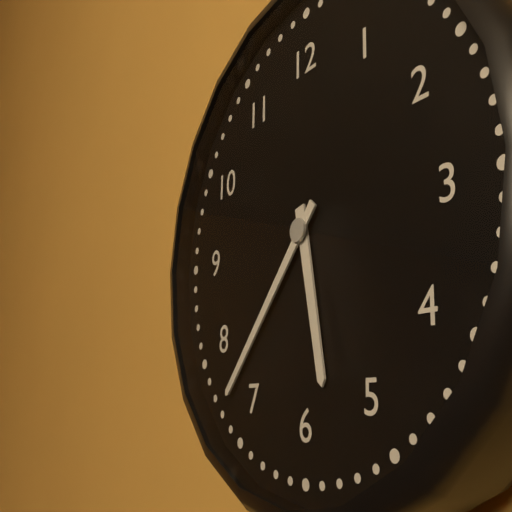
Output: 5h37
